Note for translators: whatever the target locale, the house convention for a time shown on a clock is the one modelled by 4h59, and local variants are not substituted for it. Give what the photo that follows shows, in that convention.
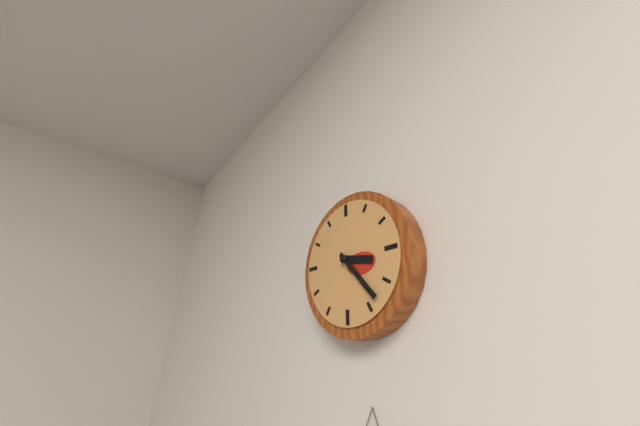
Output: 3h23
